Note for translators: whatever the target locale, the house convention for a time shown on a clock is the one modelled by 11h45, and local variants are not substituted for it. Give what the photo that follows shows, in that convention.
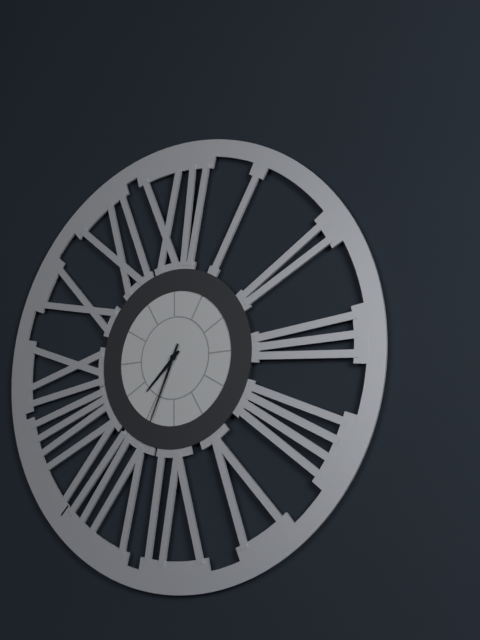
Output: 7h34
